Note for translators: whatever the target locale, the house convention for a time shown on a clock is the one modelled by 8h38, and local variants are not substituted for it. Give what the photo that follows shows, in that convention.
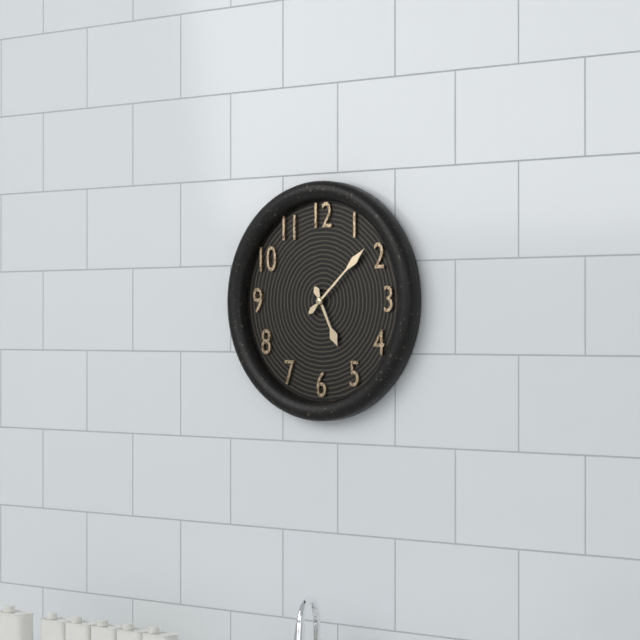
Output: 5h08
